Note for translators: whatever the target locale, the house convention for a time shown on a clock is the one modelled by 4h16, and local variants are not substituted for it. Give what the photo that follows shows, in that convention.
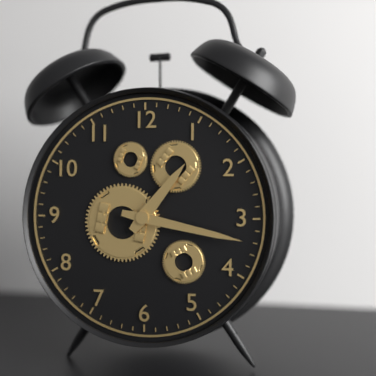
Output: 1h17
